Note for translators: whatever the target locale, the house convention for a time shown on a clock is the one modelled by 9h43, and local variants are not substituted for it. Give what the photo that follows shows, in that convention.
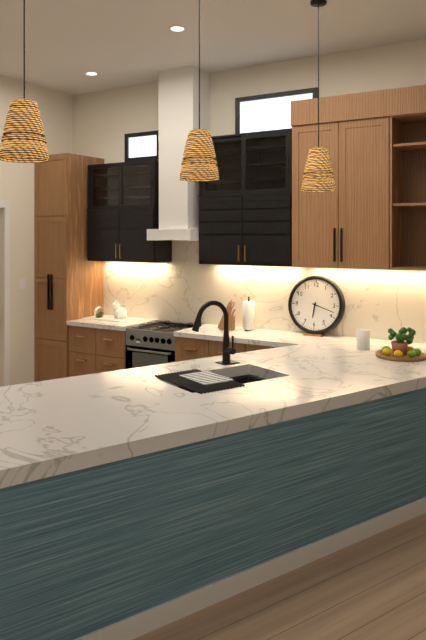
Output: 6h18
